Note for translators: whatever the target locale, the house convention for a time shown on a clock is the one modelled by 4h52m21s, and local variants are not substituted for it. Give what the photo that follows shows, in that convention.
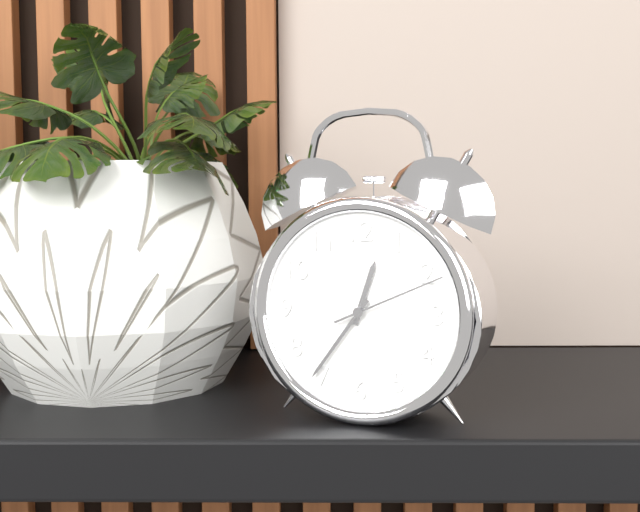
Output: 12h36m11s
